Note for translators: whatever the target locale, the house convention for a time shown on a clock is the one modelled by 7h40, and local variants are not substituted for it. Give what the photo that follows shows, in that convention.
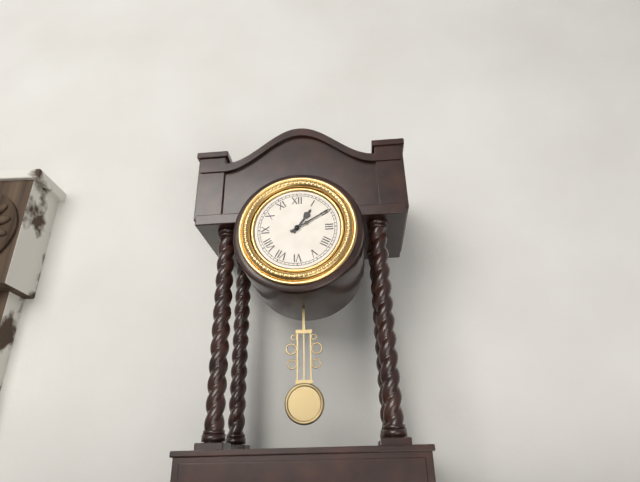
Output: 1h10
